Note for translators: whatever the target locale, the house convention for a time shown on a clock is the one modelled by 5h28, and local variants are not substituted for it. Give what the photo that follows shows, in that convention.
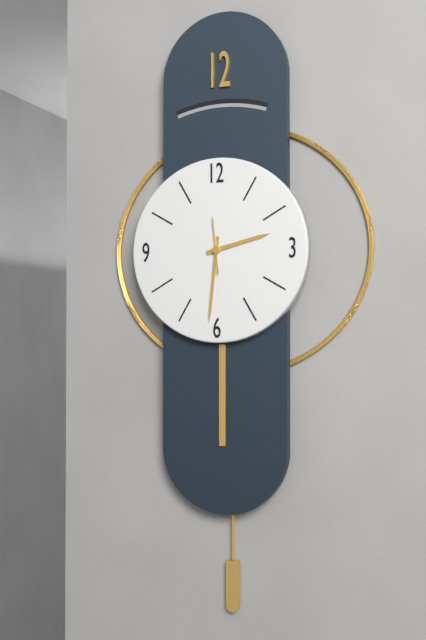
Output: 2h31
